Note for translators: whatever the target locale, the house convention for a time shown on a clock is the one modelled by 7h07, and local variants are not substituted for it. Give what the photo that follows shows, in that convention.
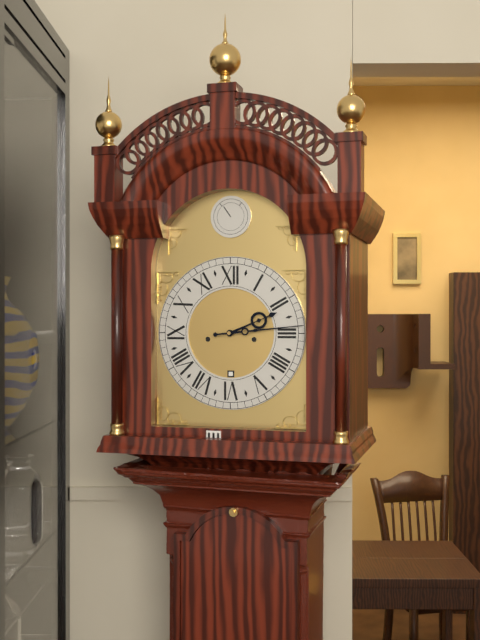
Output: 2h14
